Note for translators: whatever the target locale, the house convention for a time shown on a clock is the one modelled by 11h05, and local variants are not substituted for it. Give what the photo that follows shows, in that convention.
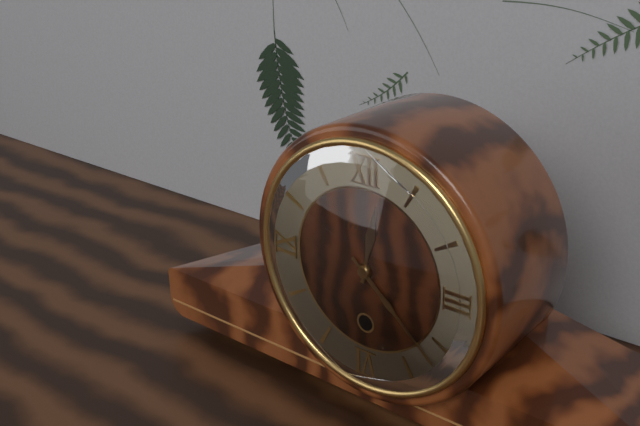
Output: 12h22
